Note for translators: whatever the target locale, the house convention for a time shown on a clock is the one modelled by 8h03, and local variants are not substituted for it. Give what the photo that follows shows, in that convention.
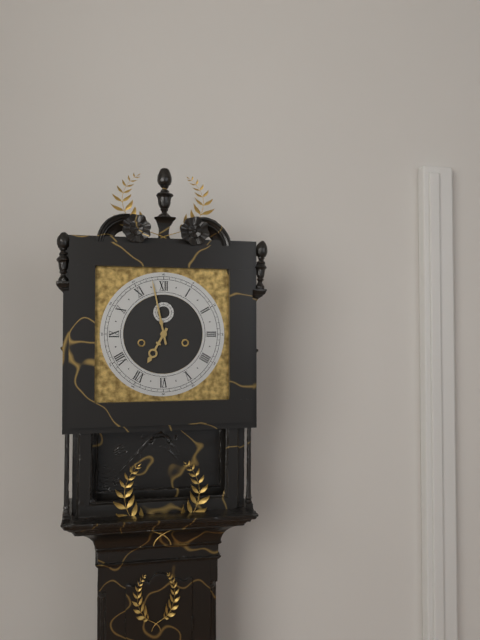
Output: 6h58
